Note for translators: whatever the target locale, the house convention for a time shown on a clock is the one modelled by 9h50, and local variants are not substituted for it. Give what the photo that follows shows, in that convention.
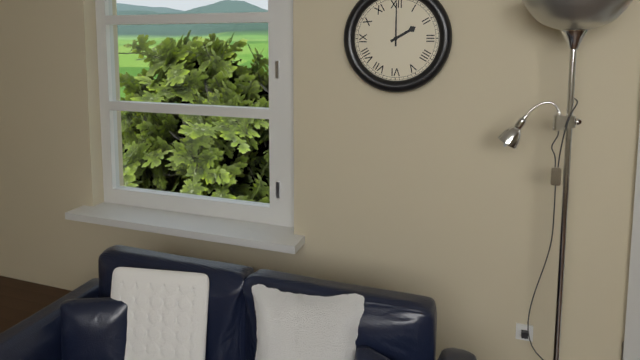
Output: 2h00
